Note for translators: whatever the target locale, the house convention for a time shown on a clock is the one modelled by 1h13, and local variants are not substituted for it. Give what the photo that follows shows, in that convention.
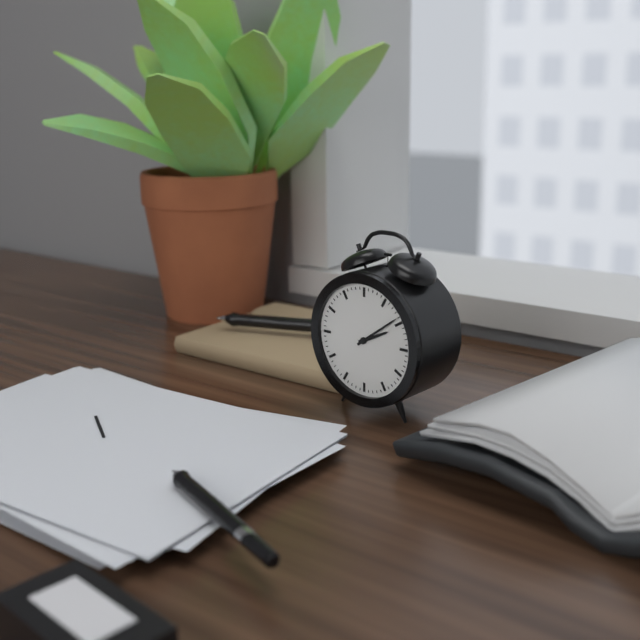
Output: 2h09
